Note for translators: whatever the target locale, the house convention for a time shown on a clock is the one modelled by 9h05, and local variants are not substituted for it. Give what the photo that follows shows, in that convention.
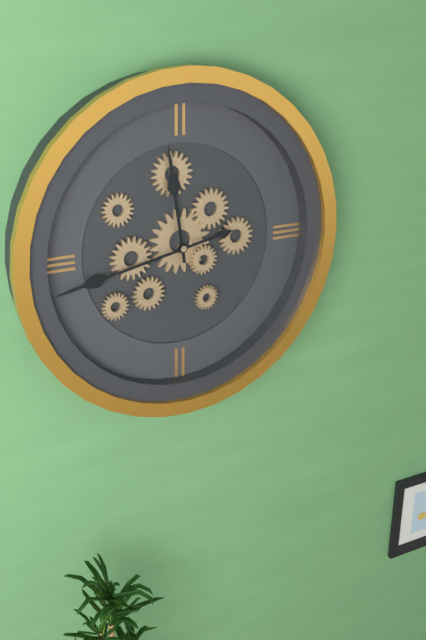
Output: 11h43
